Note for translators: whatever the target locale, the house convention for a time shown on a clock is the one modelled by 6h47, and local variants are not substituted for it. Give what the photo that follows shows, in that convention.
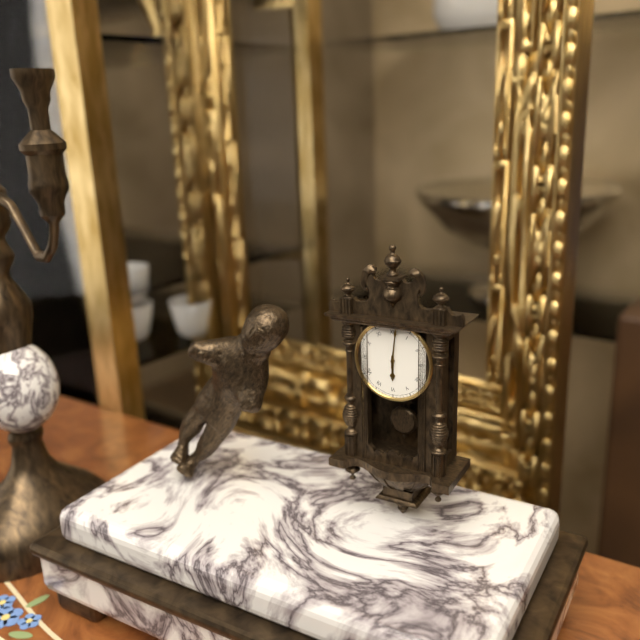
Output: 6h01
